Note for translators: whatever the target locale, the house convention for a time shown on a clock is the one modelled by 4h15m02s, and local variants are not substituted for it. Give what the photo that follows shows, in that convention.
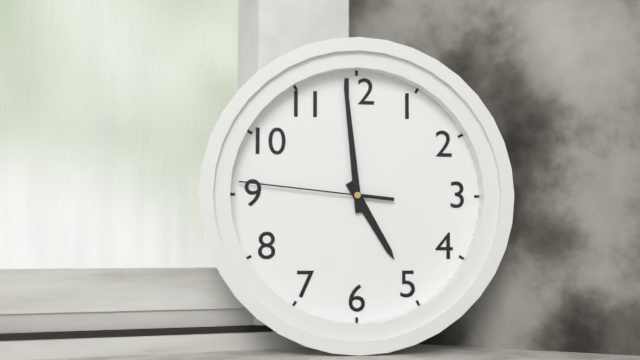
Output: 4h59m46s
